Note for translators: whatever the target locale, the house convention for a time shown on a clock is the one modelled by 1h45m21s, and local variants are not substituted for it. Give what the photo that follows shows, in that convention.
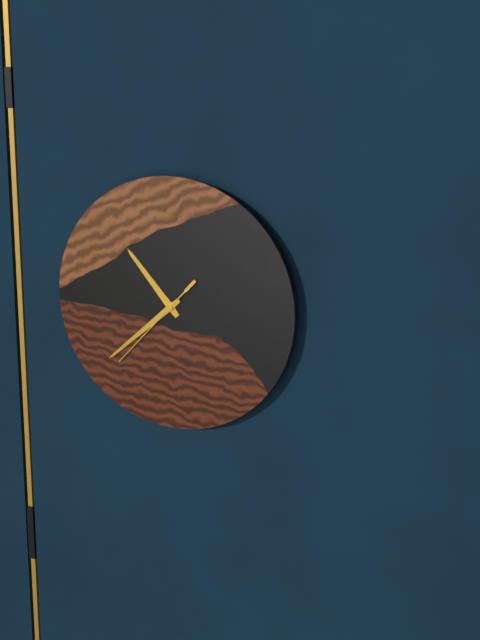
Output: 10h38m37s
